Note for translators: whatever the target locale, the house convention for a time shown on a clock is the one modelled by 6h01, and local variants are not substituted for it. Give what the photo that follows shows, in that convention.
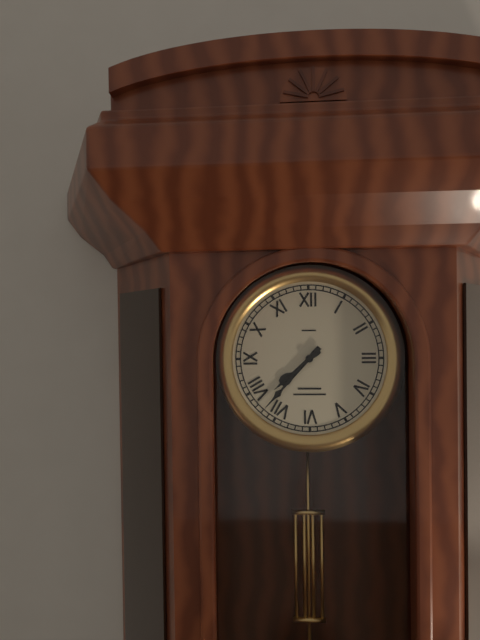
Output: 7h37
